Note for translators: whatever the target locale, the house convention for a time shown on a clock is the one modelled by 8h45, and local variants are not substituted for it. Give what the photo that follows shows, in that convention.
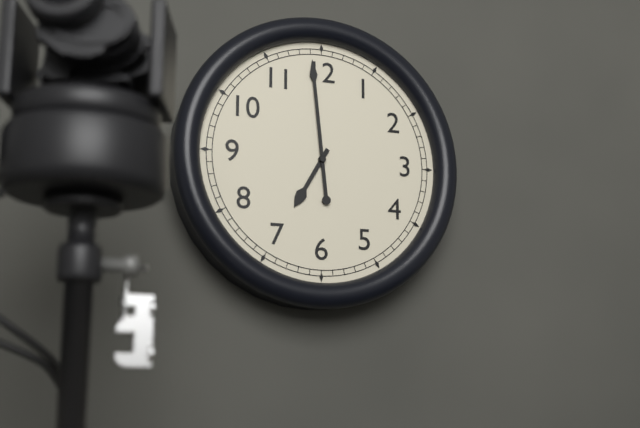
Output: 6h59
